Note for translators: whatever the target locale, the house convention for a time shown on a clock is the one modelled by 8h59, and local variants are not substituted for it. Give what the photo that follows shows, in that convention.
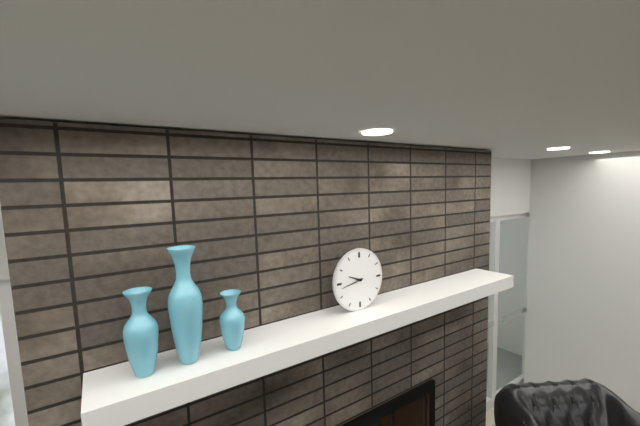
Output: 9h43
